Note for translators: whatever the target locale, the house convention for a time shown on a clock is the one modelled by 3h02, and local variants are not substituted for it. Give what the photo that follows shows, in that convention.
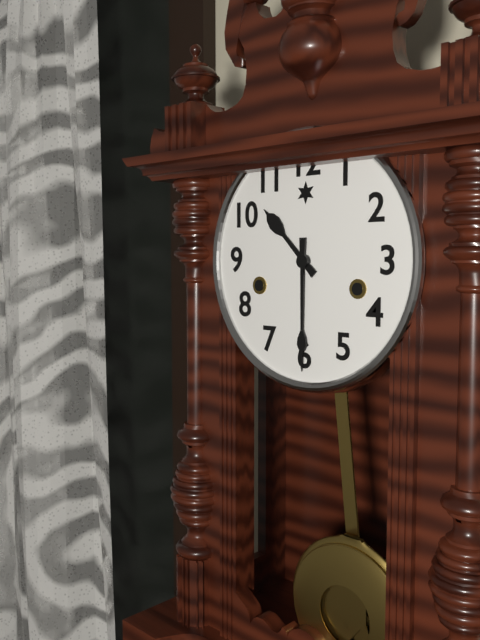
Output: 10h30
